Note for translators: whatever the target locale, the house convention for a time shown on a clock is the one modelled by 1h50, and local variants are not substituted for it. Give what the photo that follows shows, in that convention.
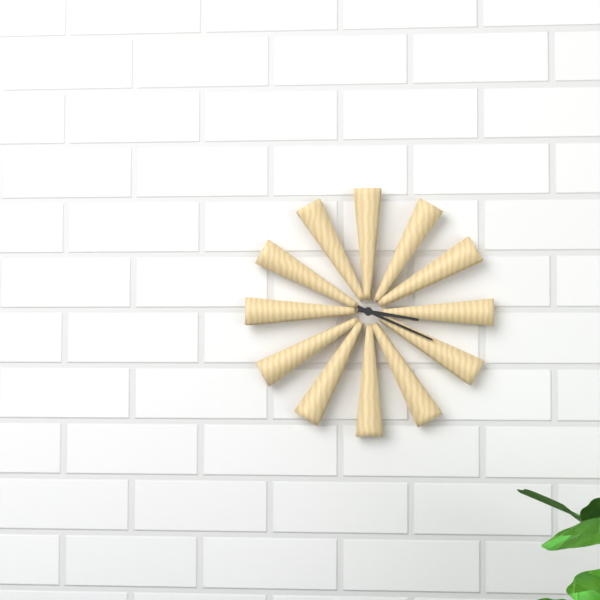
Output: 3h19
